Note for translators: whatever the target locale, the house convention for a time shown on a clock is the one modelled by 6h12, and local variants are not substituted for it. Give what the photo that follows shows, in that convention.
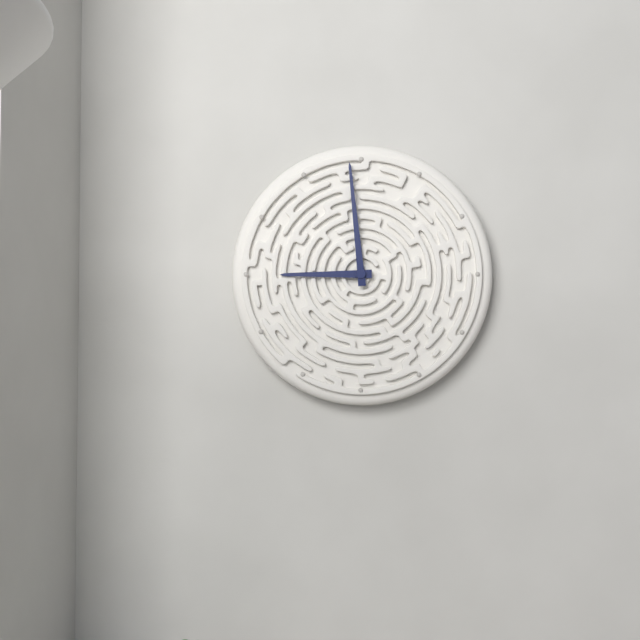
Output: 8h59
